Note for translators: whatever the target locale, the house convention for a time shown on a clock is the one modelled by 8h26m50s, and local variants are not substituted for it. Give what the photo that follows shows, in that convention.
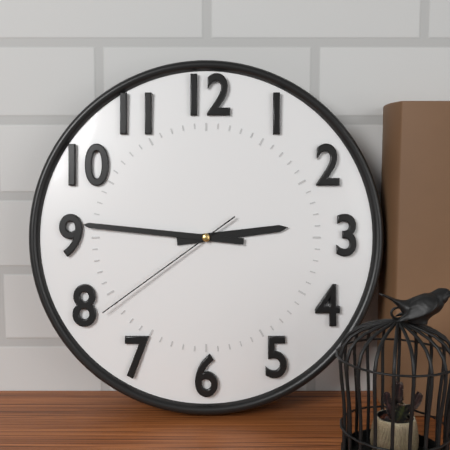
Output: 2h46m39s
